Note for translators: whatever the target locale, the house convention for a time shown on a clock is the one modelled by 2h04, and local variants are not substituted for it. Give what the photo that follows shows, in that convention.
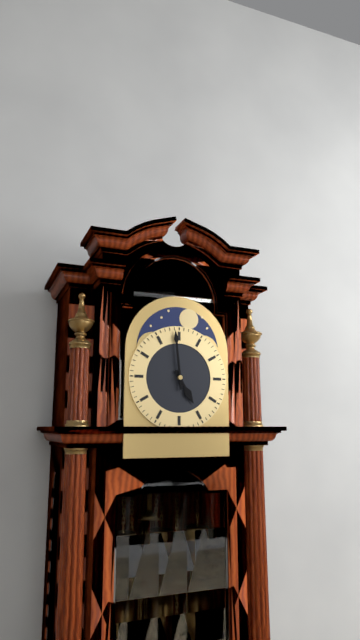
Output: 4h59
